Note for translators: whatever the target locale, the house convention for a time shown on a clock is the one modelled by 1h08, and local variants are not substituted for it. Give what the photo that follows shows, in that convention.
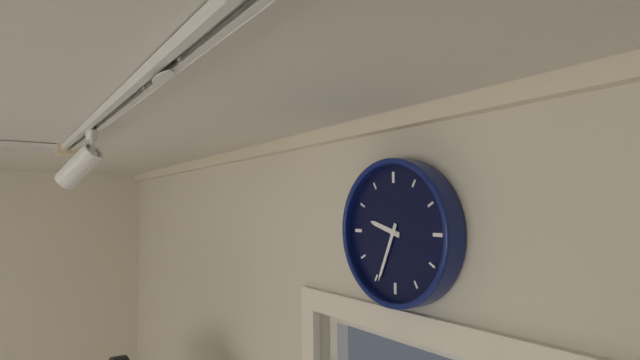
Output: 9h34
